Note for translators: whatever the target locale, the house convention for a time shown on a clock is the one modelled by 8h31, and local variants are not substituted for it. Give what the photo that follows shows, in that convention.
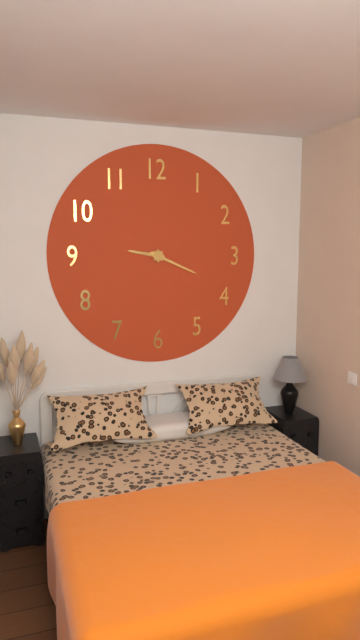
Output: 9h19
